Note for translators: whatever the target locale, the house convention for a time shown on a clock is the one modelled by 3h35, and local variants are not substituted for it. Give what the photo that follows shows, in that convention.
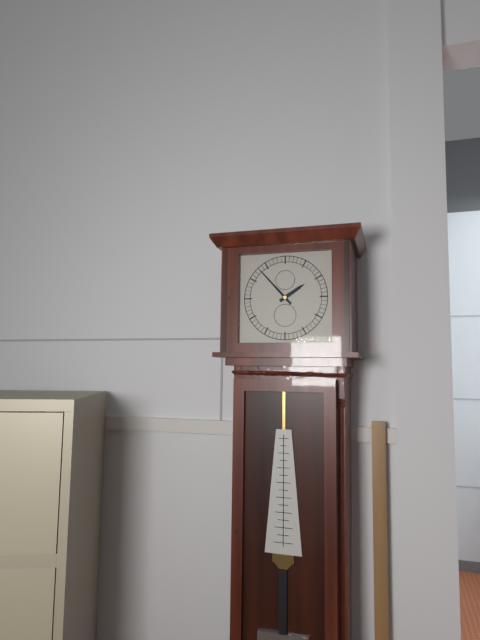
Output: 1h53
